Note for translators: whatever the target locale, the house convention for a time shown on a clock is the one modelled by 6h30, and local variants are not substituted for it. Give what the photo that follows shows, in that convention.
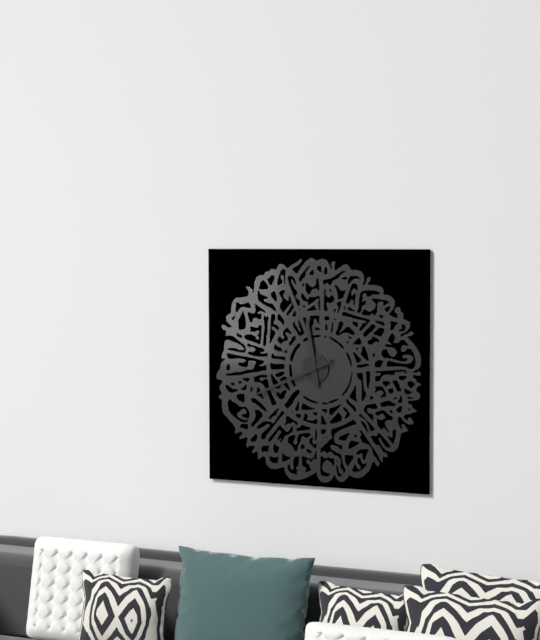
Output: 11h41
